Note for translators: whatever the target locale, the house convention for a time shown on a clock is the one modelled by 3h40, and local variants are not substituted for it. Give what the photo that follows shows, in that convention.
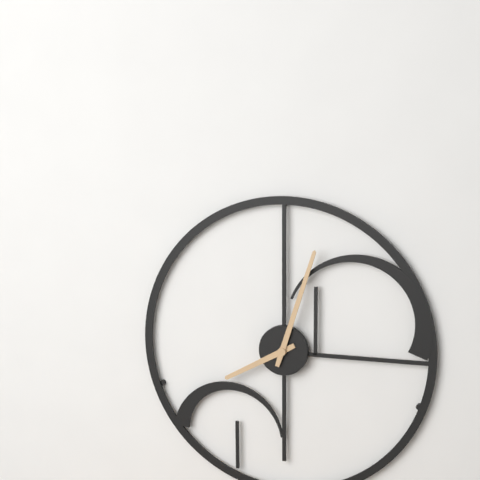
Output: 8h03
